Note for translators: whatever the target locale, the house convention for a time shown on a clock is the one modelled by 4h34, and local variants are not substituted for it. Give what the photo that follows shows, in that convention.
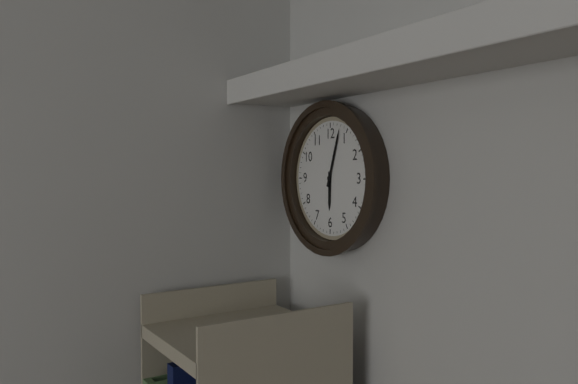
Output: 6h03
